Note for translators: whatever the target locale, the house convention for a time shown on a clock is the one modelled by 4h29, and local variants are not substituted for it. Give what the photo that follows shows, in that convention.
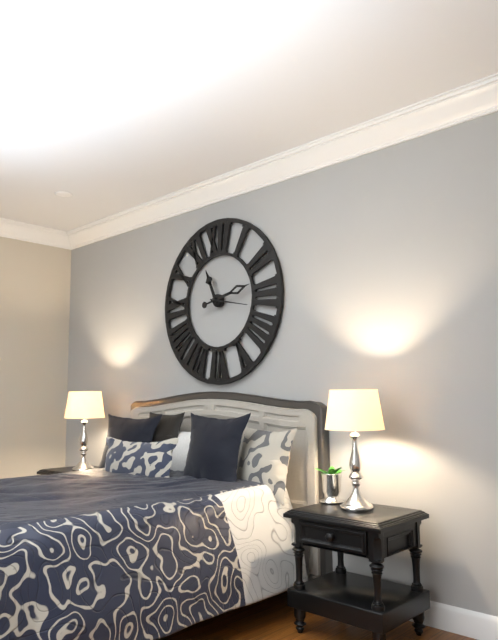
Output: 11h13
